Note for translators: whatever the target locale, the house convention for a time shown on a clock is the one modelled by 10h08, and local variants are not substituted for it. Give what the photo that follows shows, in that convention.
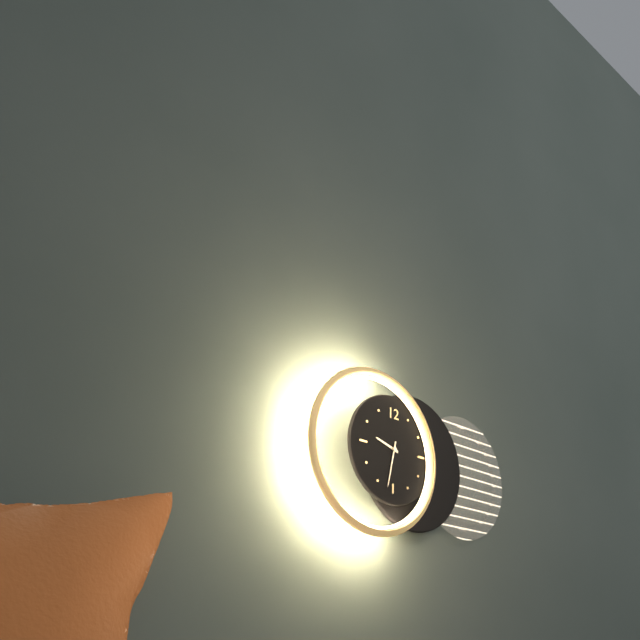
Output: 9h32
